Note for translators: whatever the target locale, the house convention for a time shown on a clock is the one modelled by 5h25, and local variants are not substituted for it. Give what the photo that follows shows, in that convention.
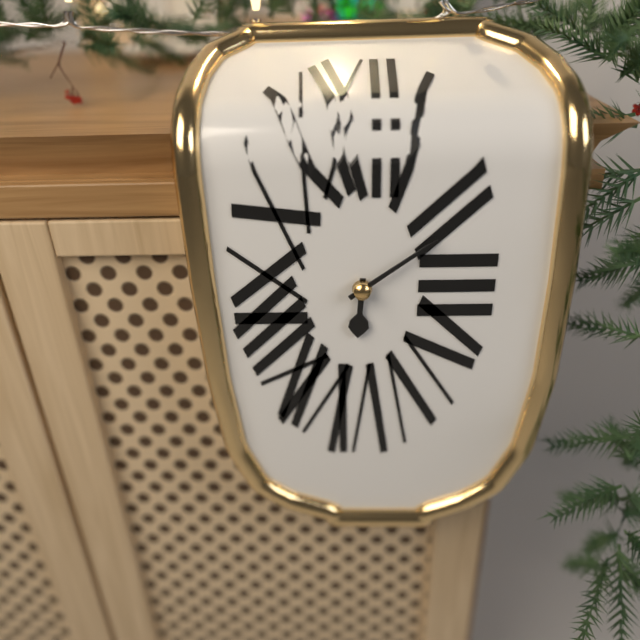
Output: 6h09
